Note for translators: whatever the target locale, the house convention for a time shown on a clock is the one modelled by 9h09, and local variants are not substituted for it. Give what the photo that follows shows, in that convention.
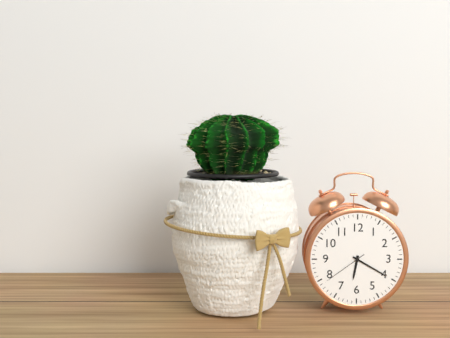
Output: 6h20
